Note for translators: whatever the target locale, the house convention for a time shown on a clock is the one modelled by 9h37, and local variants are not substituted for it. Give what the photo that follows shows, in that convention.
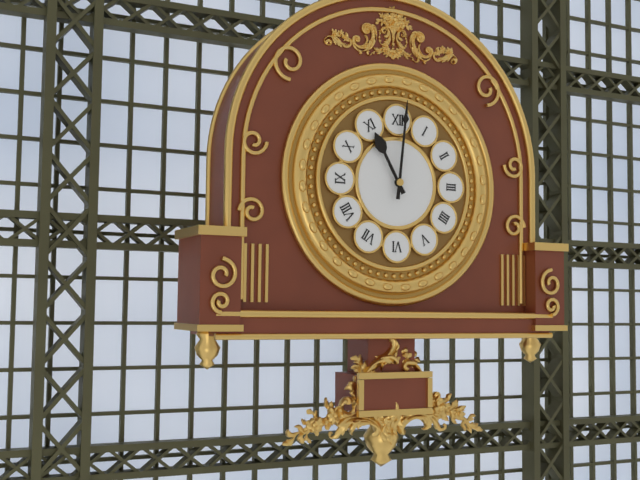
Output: 11h01
